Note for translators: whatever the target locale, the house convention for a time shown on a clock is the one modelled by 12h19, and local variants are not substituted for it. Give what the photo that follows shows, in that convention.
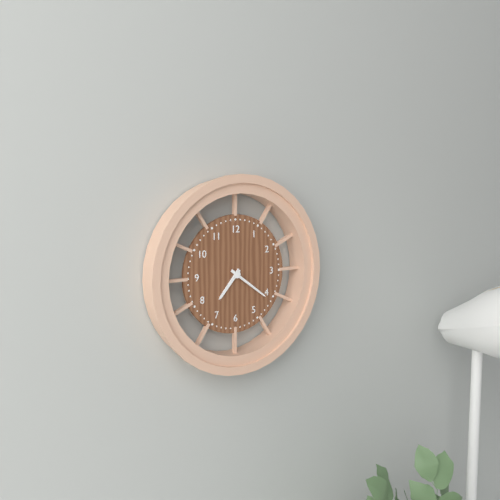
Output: 7h21
